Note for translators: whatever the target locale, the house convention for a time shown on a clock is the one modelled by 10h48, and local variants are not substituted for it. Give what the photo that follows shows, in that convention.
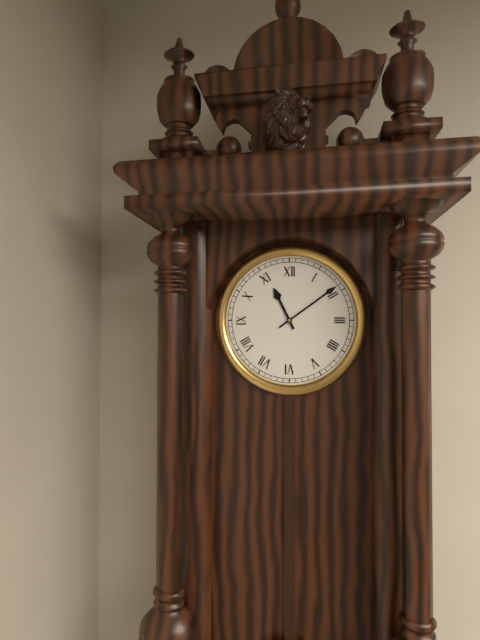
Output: 11h09
